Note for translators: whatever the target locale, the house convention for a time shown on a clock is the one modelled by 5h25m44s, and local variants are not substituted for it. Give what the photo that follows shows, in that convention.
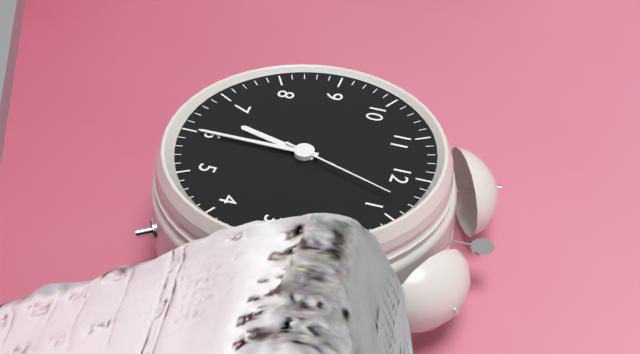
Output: 6h30m03s
